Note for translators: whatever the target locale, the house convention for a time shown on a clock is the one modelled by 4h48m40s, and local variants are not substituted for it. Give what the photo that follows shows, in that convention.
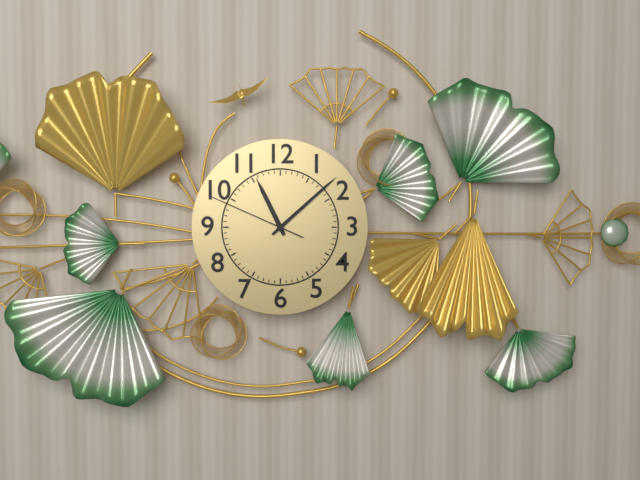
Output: 11h08m49s
